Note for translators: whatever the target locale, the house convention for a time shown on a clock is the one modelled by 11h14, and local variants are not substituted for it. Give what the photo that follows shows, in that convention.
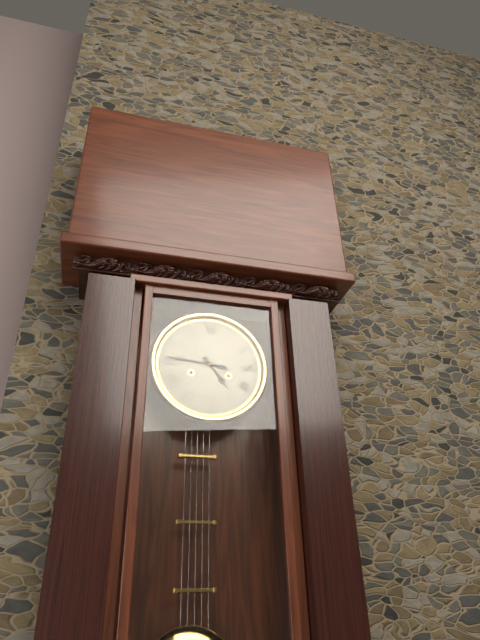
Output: 4h46
